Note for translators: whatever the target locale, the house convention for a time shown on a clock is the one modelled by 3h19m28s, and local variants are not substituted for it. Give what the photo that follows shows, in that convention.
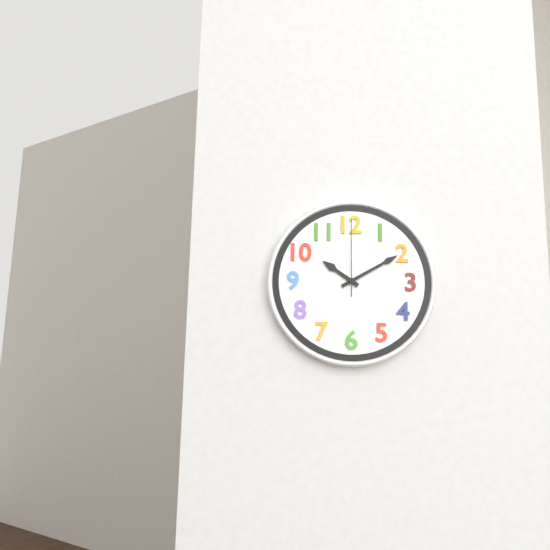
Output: 10h10m00s
